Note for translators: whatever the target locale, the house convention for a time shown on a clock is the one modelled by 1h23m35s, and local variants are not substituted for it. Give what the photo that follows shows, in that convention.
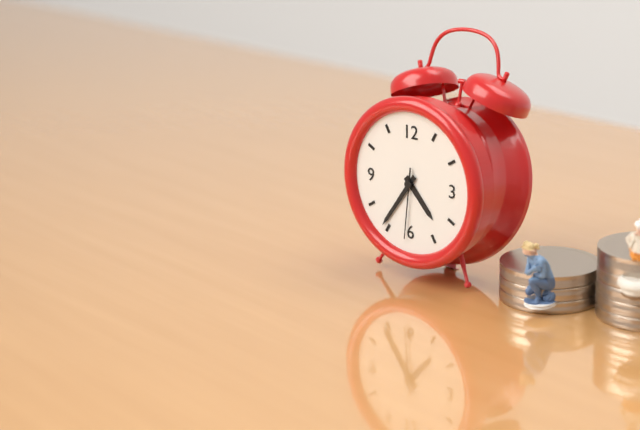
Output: 4h36m31s
